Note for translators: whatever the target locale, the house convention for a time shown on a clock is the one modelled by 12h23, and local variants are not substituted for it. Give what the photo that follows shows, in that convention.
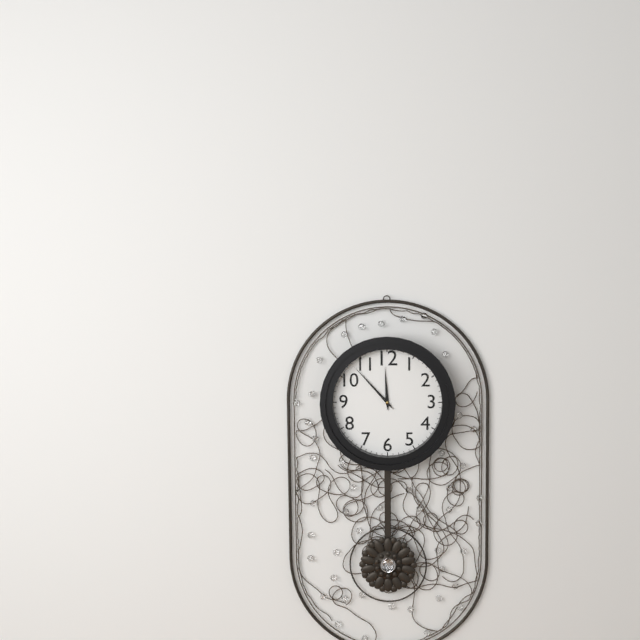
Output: 11h53
